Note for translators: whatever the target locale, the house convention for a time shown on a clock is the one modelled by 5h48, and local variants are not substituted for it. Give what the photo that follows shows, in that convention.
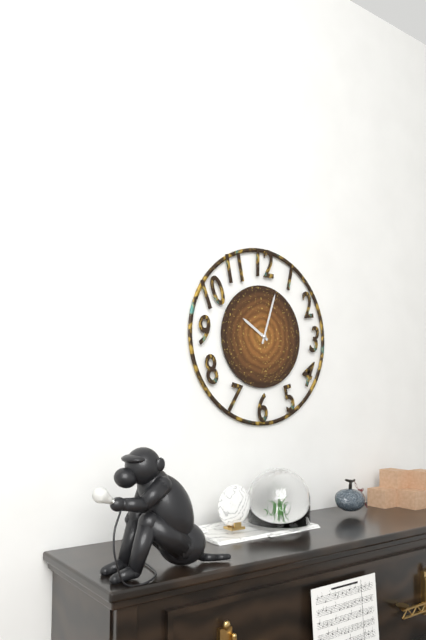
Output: 10h03
